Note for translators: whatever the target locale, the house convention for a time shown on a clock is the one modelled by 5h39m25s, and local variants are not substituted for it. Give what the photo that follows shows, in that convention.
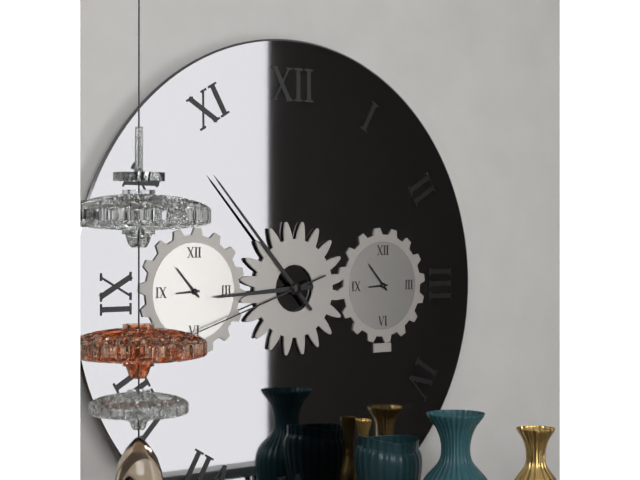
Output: 8h53m42s
